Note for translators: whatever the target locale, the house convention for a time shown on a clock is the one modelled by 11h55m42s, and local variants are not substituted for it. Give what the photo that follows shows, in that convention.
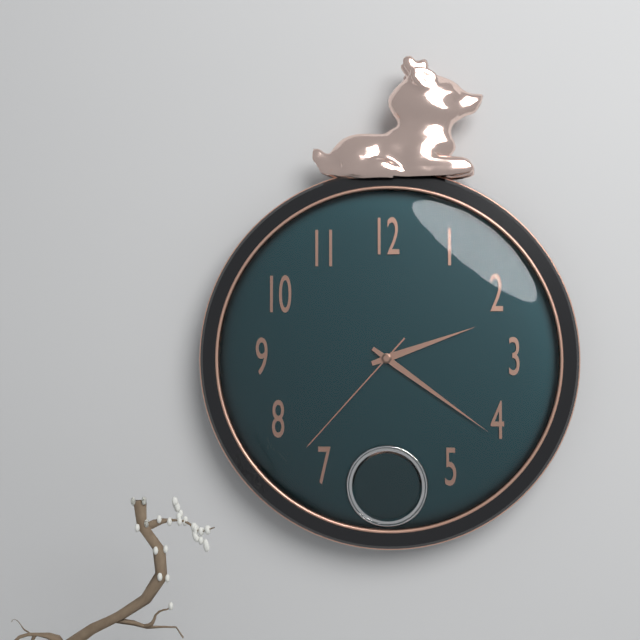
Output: 2h21m37s
